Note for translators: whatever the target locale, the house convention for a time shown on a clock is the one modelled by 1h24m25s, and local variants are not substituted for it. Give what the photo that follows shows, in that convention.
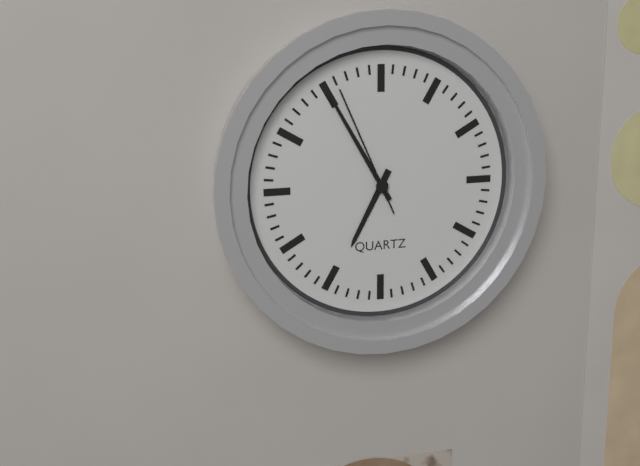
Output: 6h55m56s
